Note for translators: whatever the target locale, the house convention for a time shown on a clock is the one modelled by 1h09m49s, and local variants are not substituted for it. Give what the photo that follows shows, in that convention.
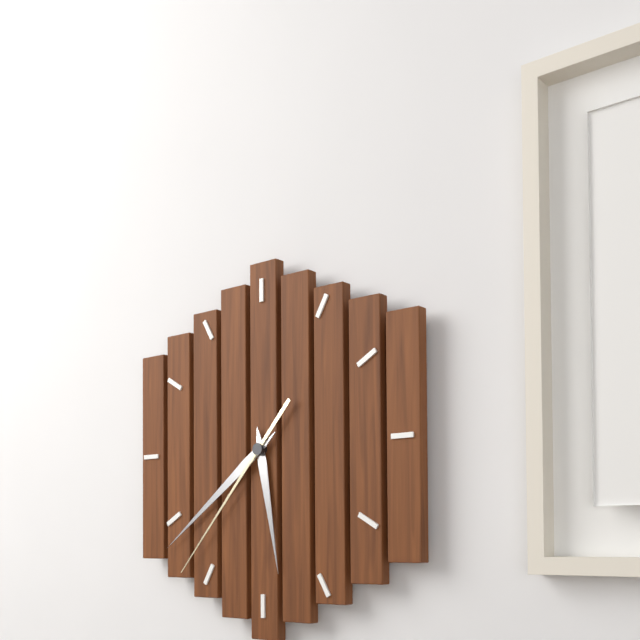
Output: 5h39m37s
